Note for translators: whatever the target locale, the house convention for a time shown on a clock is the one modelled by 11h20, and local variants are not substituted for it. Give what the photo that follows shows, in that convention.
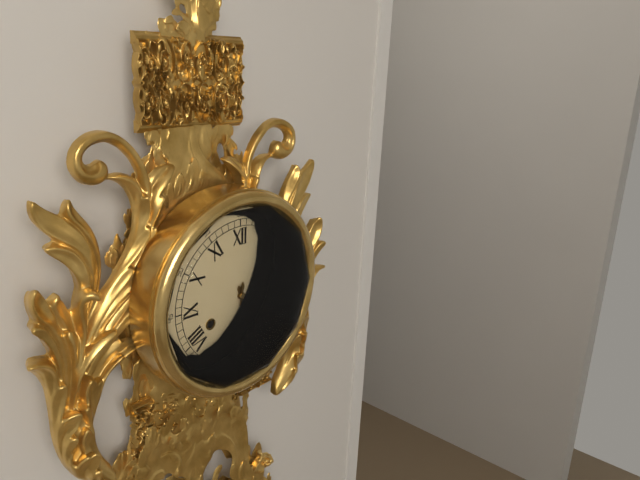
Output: 5h31
